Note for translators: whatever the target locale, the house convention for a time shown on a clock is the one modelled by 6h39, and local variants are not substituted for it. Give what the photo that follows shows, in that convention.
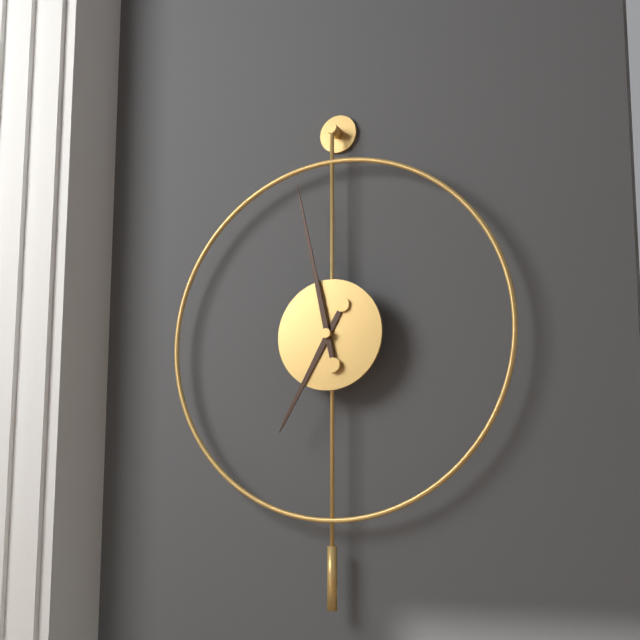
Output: 6h58
